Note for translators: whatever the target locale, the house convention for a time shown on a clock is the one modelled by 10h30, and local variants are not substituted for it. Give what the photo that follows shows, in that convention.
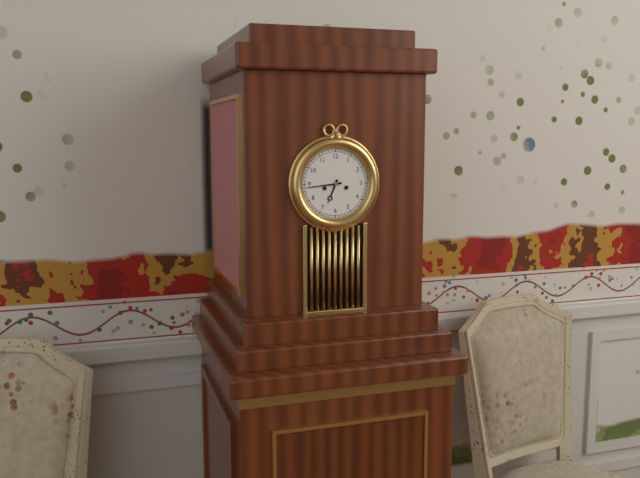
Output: 6h44
